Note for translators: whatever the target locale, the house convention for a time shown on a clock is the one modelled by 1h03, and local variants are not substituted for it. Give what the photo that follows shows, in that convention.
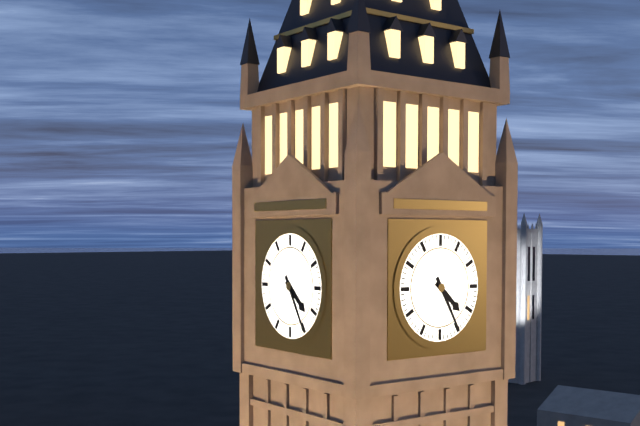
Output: 4h25
